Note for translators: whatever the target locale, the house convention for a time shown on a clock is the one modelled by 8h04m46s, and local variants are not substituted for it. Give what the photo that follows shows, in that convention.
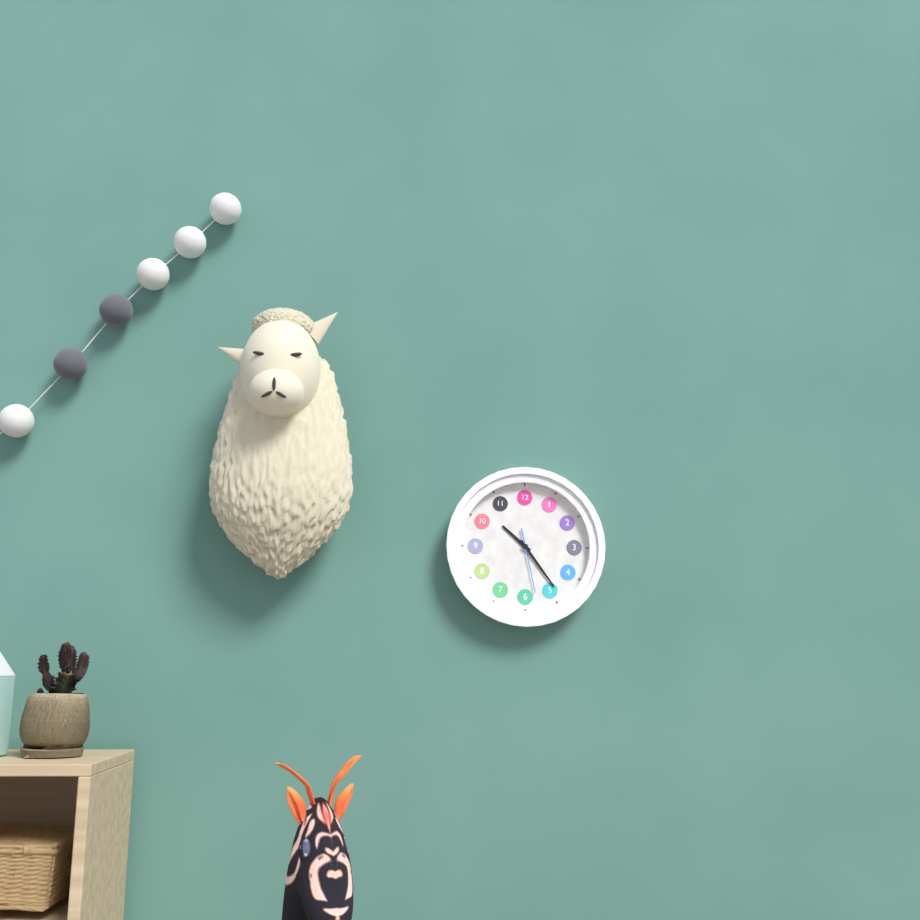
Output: 10h24m28s
